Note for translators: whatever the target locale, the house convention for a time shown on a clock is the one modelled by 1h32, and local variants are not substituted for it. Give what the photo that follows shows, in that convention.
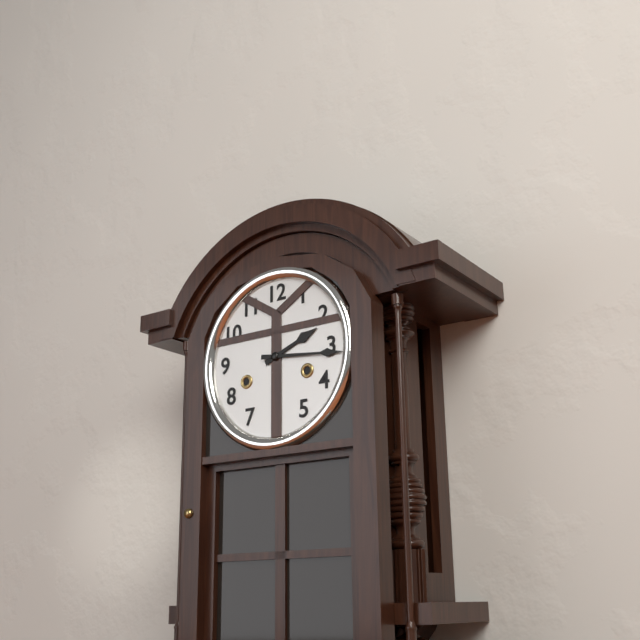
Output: 2h16
